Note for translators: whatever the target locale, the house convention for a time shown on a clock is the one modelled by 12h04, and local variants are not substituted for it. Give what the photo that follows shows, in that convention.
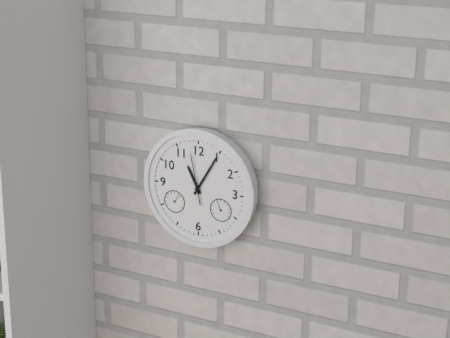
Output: 11h05
